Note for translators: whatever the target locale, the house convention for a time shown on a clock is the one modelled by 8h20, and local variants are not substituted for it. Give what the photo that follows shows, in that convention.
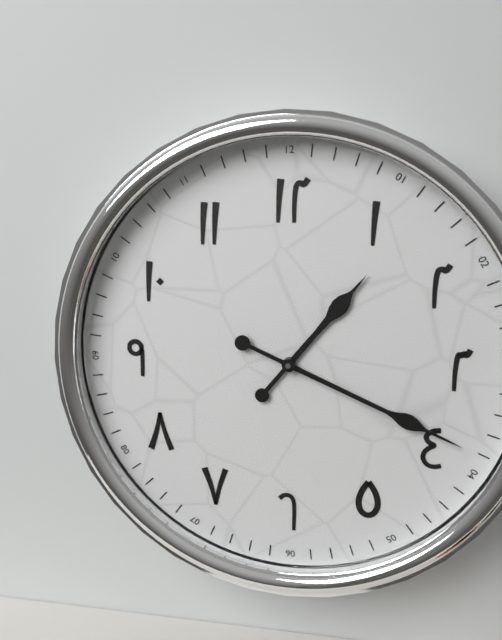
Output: 1h19
